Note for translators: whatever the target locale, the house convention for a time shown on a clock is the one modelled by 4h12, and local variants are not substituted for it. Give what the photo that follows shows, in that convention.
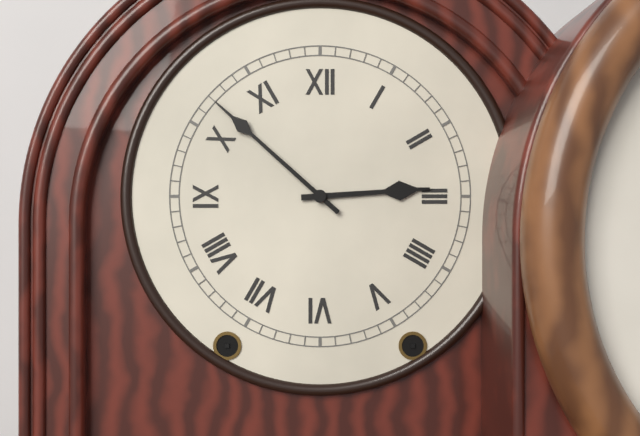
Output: 2h52
